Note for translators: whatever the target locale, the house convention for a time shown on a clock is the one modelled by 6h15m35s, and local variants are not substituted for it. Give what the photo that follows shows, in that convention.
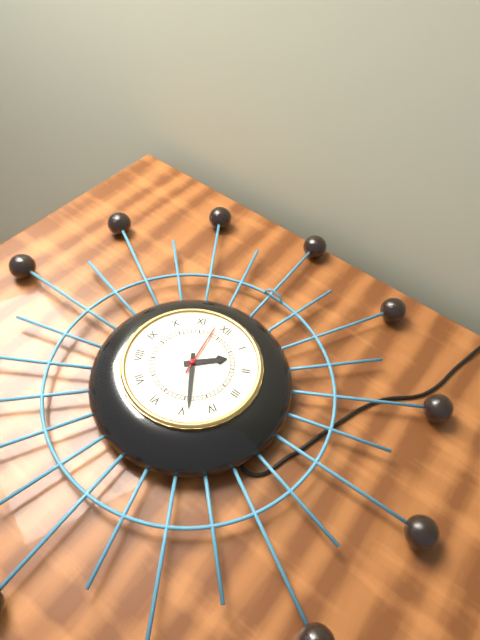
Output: 1h24m58s
